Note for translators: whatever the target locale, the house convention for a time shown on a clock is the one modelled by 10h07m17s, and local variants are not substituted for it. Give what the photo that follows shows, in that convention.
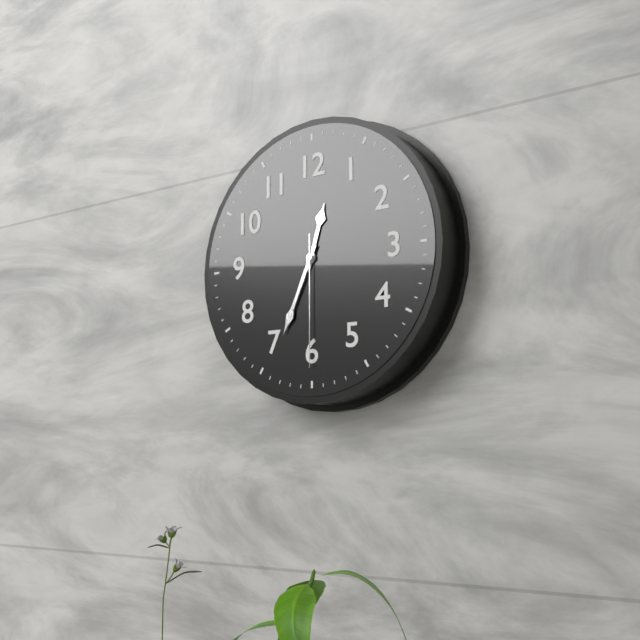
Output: 12h34m30s
